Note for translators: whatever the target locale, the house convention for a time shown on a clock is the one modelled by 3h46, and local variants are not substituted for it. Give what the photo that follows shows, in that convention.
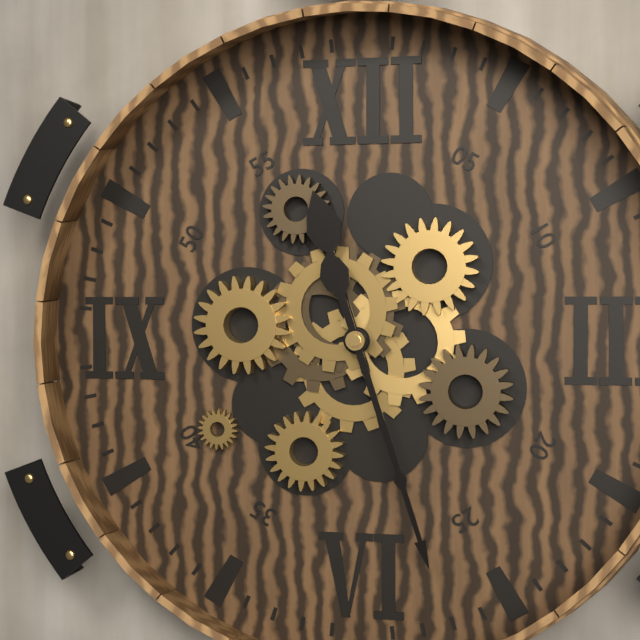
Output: 11h27
